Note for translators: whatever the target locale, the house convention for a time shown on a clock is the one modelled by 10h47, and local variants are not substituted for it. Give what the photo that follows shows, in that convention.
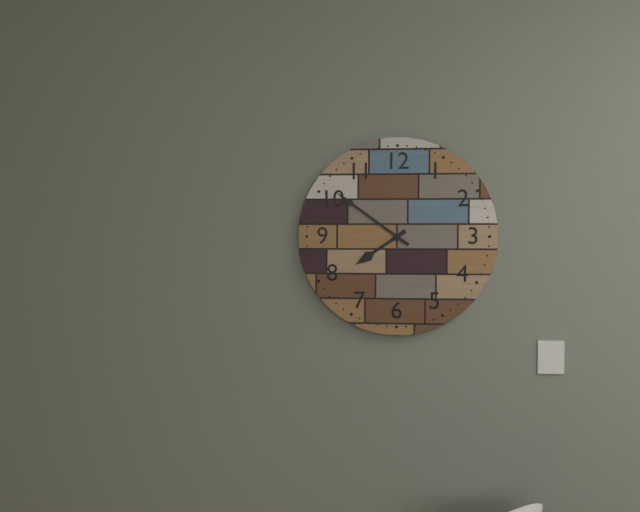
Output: 7h51
